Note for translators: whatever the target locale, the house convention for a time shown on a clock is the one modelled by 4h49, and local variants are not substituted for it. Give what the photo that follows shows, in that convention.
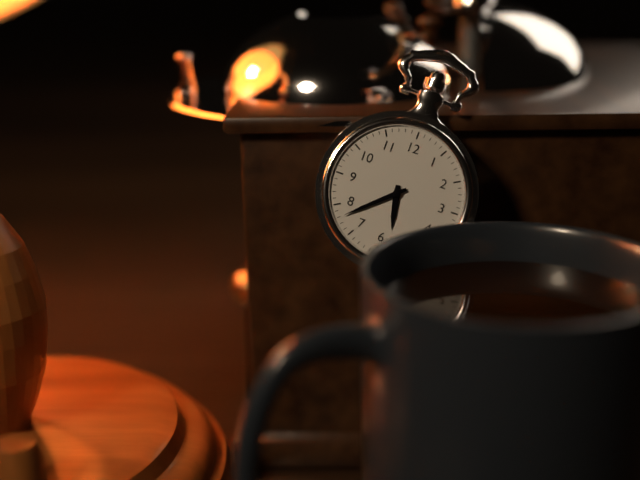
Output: 5h38
